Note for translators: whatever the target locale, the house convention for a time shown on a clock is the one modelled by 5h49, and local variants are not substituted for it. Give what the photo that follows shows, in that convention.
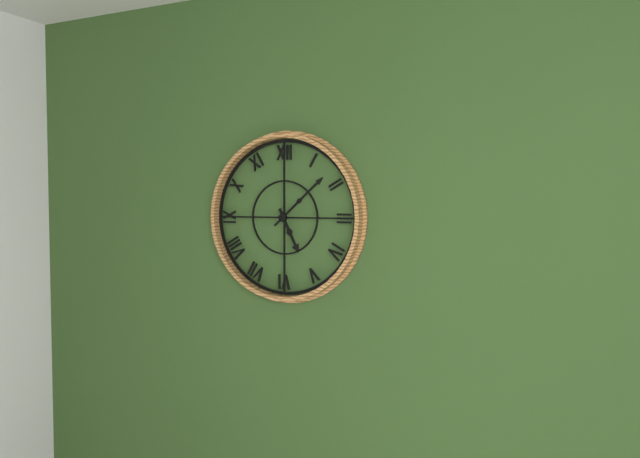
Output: 5h08
